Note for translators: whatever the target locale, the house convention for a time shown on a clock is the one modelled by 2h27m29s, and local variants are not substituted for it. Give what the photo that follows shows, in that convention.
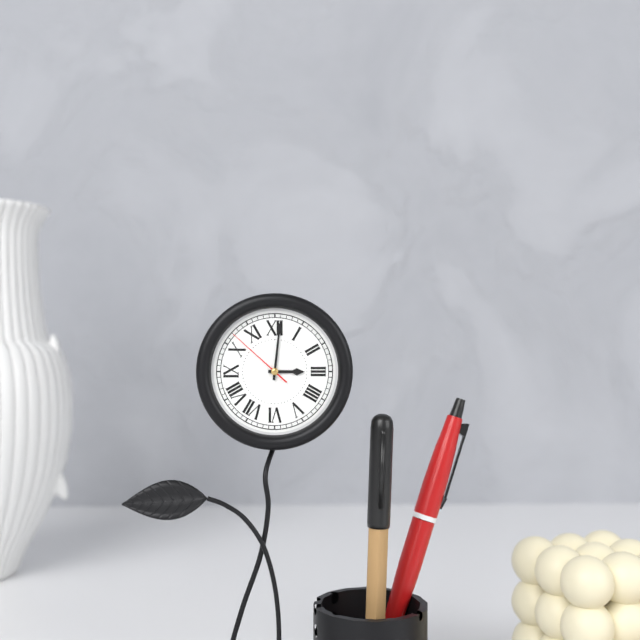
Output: 3h01m52s
